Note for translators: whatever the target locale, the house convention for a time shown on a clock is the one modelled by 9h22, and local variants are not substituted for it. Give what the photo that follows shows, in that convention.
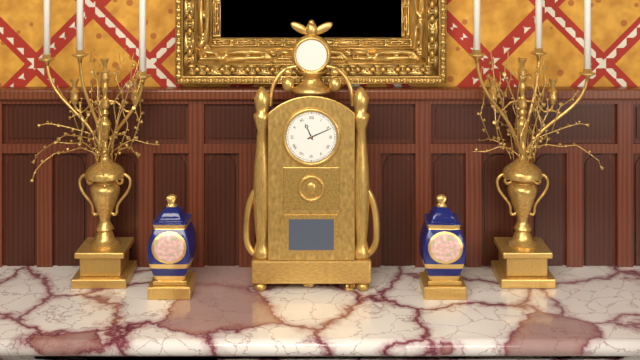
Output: 11h11
